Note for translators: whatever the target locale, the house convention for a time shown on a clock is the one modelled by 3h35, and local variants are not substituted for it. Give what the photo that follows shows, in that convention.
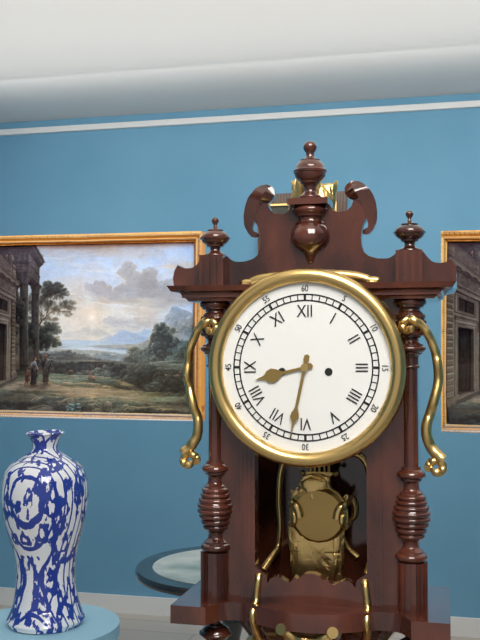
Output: 8h32
